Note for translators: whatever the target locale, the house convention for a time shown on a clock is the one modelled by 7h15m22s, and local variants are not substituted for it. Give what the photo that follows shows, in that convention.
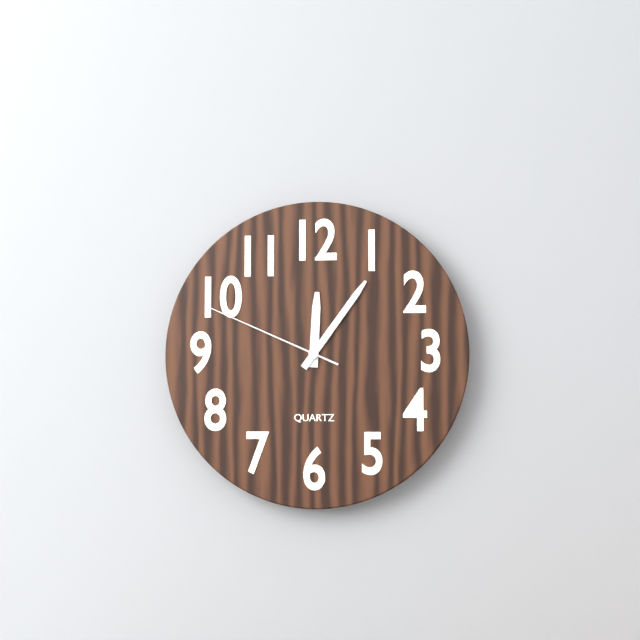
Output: 12h06m49s
